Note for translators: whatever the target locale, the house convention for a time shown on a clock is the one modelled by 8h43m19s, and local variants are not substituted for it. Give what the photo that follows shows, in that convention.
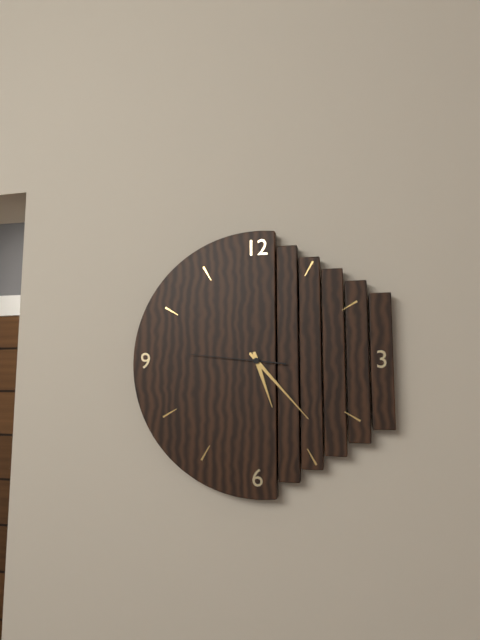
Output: 5h23m46s
